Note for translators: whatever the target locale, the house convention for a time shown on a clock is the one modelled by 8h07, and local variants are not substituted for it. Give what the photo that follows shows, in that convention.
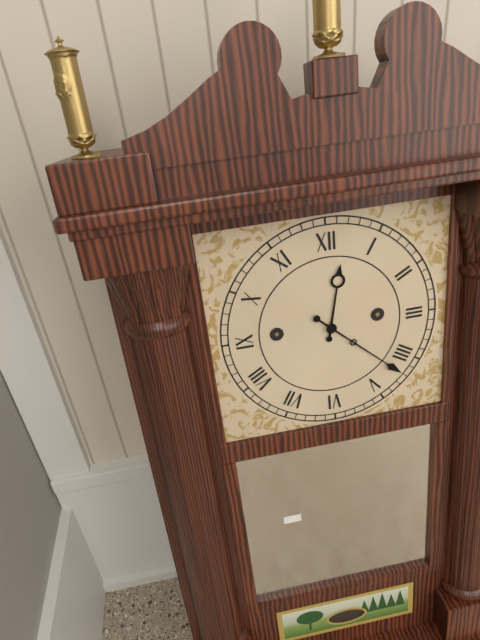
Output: 12h22
